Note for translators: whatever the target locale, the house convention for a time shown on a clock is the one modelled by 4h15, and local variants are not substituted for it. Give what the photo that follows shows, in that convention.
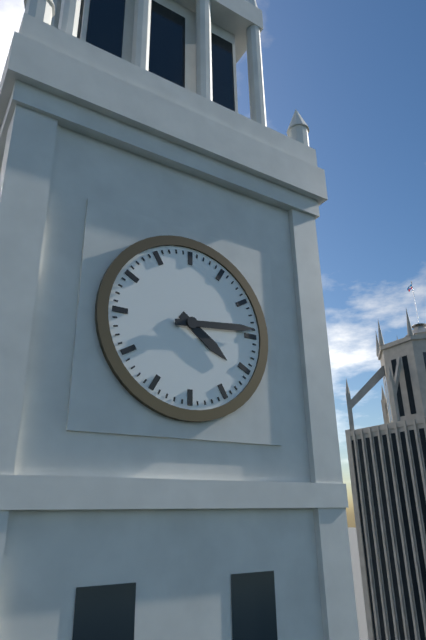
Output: 4h14
